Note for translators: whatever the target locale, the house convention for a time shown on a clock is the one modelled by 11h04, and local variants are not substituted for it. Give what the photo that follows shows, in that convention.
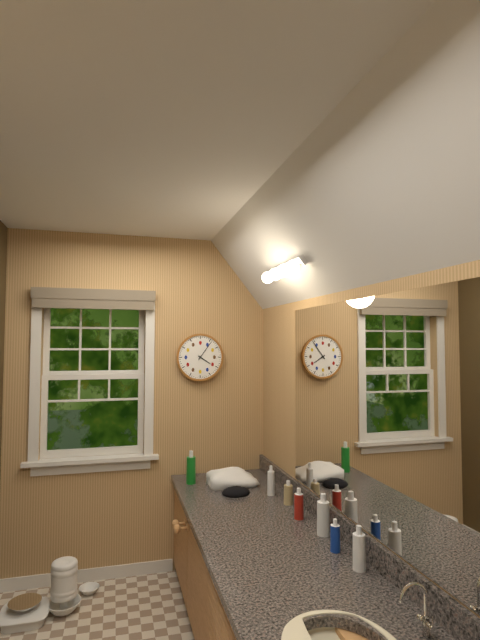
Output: 4h06
